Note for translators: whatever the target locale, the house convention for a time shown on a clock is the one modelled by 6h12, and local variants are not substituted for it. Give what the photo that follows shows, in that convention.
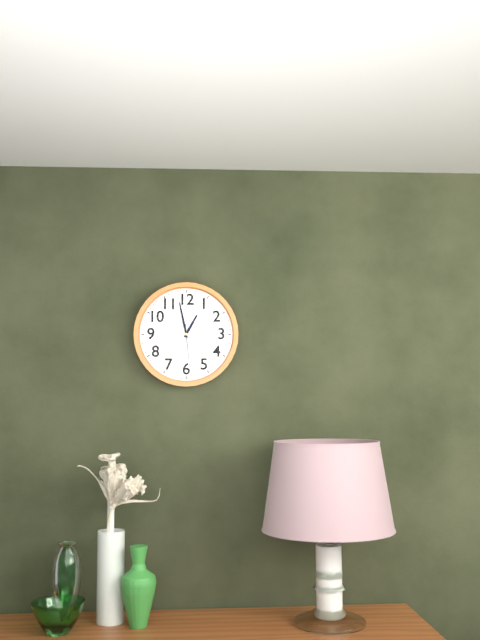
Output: 12h58
